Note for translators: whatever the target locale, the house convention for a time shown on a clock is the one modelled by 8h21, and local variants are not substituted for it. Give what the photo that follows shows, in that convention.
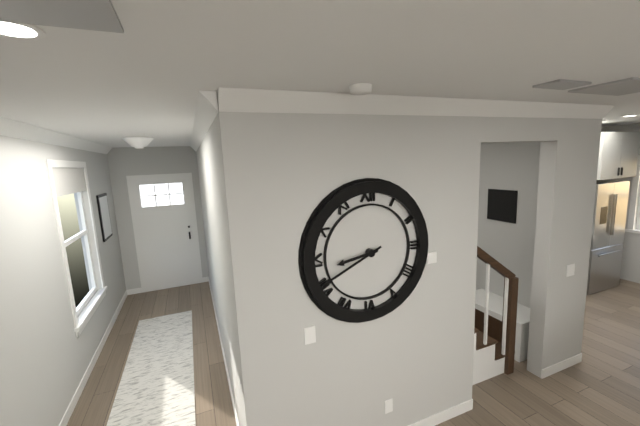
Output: 8h41
